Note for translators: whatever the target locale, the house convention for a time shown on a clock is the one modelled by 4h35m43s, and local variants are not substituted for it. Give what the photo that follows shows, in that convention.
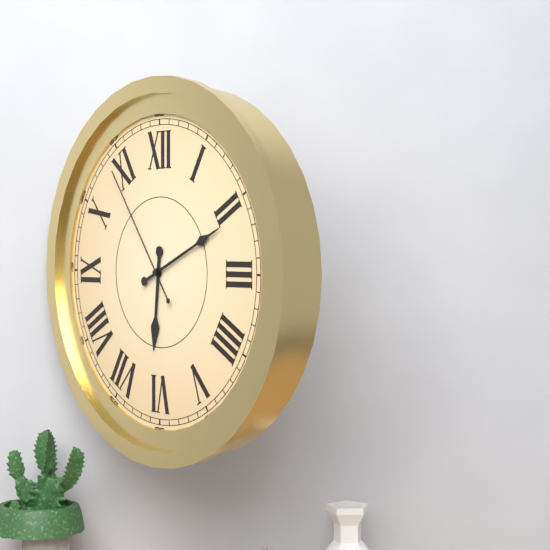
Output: 6h11m54s
